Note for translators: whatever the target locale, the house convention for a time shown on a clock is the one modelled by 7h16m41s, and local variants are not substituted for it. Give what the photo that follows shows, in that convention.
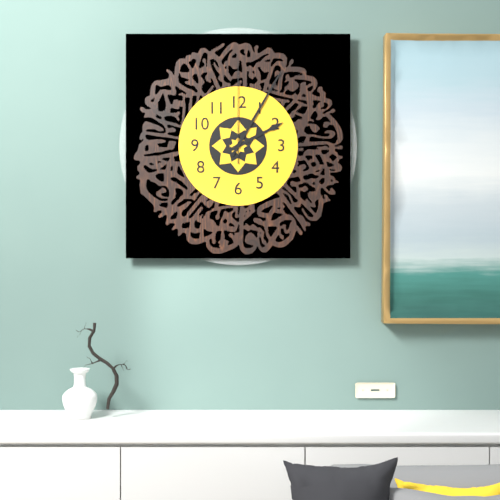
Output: 2h05m00s
